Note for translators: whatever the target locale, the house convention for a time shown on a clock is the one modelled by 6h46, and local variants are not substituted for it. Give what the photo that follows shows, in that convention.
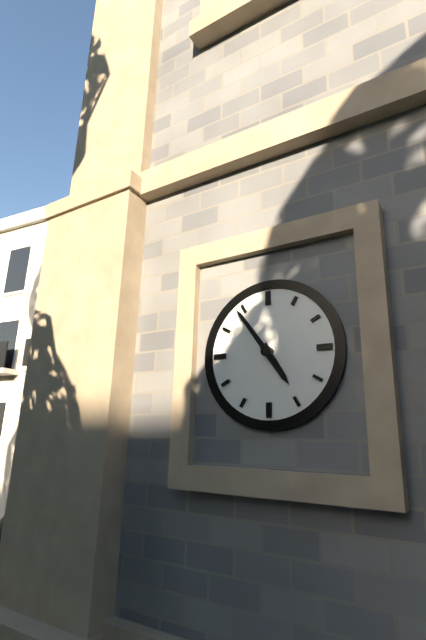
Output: 4h54
